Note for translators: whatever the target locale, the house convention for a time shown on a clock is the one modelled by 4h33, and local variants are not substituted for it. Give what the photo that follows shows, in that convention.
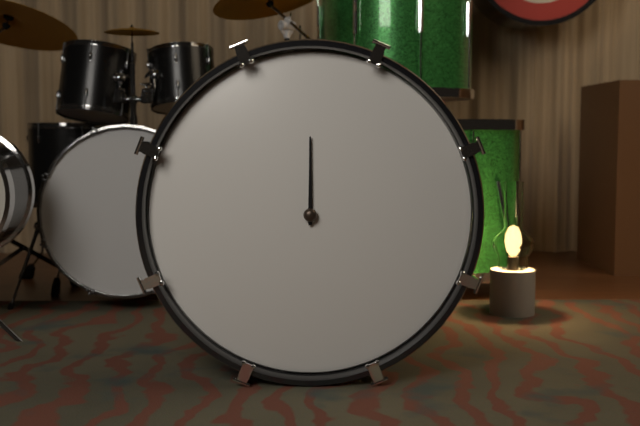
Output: 12h00
